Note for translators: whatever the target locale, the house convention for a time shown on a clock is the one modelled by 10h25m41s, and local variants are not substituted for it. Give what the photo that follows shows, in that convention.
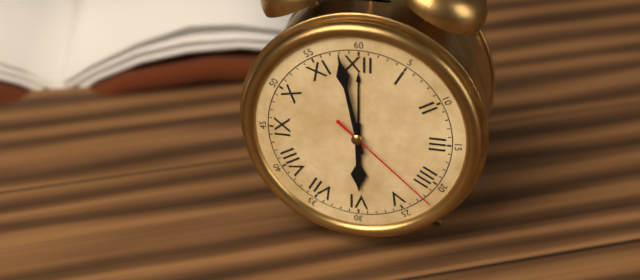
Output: 5h58m22s
